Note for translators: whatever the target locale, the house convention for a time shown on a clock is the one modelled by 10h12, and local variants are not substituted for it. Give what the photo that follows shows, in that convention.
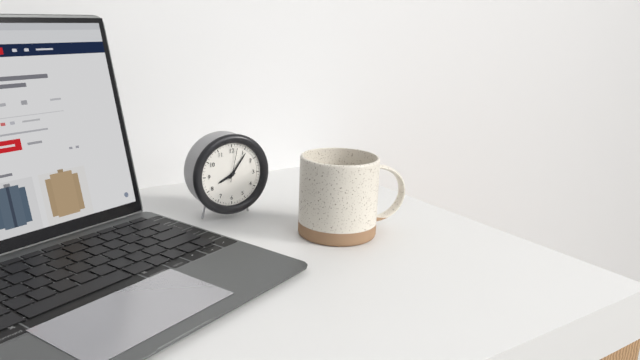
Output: 8h06
